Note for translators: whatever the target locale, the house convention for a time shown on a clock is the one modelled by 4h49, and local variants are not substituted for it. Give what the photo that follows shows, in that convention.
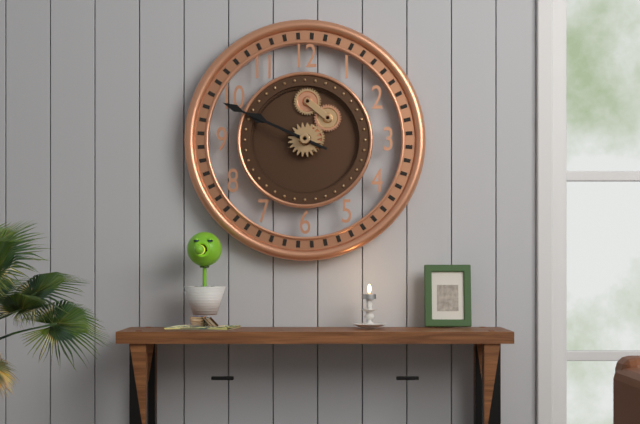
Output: 9h49
